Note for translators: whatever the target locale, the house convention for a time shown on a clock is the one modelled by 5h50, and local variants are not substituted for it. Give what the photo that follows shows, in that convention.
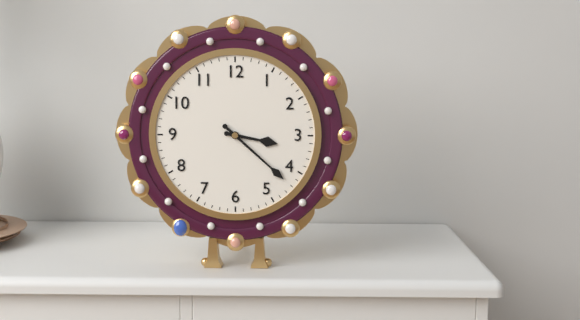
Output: 3h22
